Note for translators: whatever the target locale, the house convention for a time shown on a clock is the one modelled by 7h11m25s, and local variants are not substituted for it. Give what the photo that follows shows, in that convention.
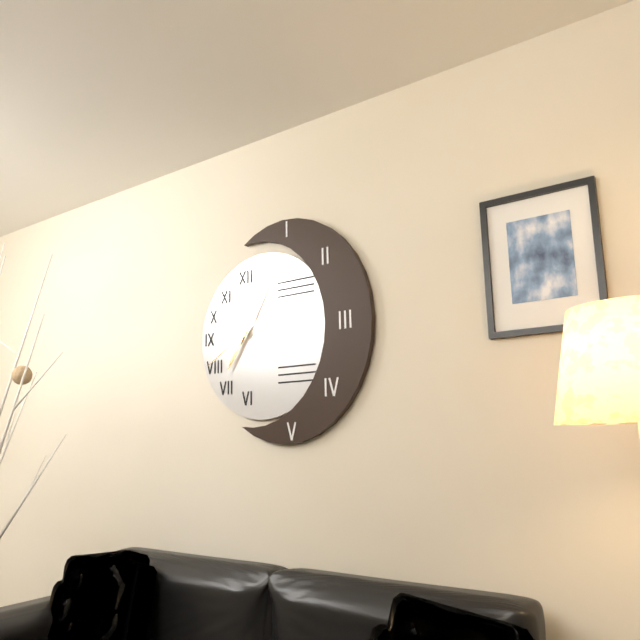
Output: 7h05m40s
